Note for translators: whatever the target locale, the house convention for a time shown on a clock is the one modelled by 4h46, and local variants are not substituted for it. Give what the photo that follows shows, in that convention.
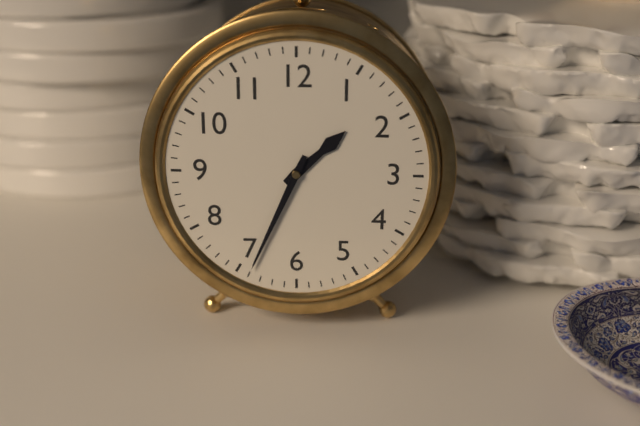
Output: 1h34
